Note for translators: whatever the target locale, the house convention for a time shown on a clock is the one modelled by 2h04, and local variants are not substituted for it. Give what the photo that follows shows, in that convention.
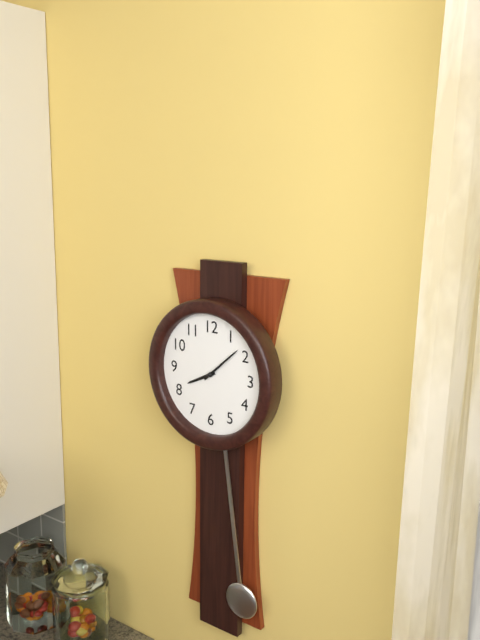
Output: 8h08
